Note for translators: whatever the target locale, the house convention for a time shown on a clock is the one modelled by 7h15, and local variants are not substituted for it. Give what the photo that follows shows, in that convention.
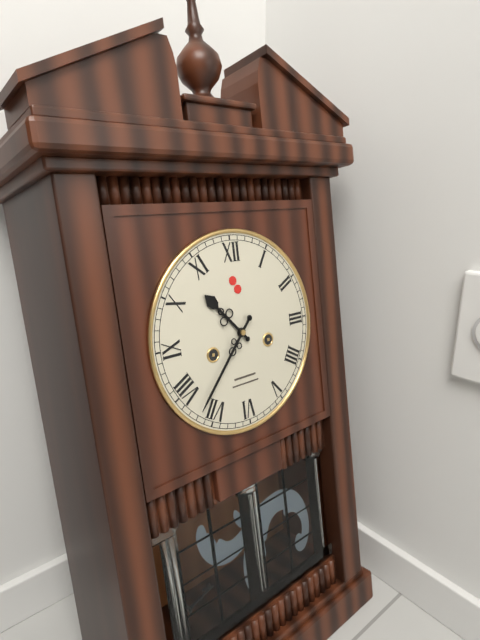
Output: 10h37
